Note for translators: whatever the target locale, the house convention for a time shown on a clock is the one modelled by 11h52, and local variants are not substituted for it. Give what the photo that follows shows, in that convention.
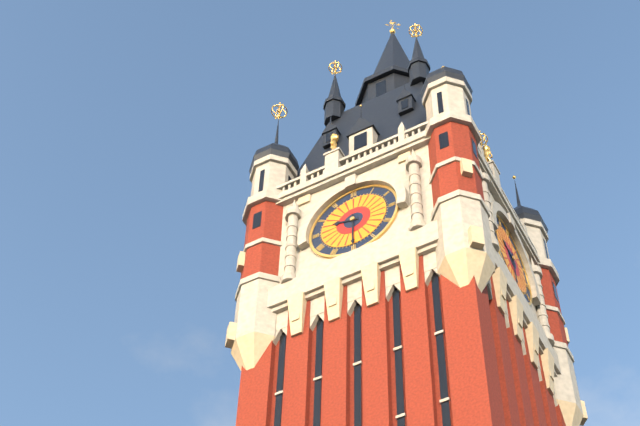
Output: 9h30
